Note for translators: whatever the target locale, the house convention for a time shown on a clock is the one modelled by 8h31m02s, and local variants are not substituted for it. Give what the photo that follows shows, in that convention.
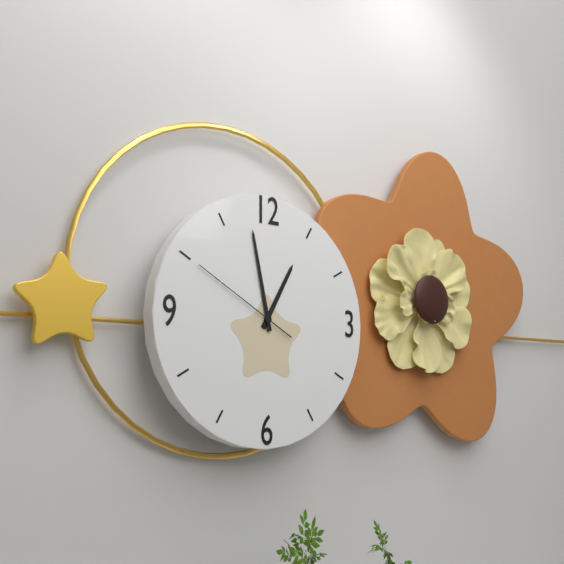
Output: 12h58m50s
